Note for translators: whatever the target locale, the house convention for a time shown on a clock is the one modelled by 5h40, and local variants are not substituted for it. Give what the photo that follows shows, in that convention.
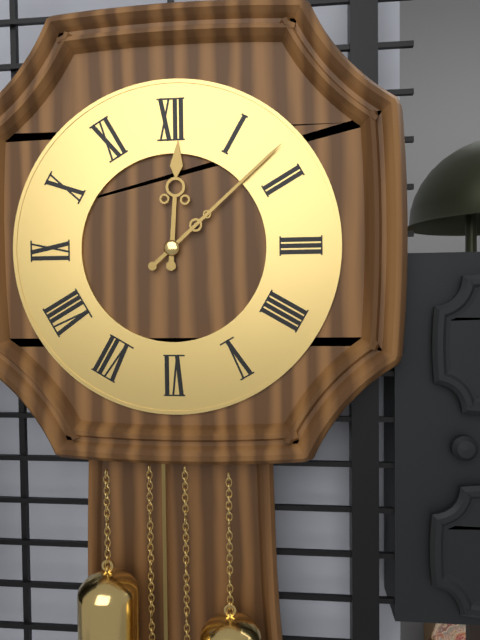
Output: 12h08
